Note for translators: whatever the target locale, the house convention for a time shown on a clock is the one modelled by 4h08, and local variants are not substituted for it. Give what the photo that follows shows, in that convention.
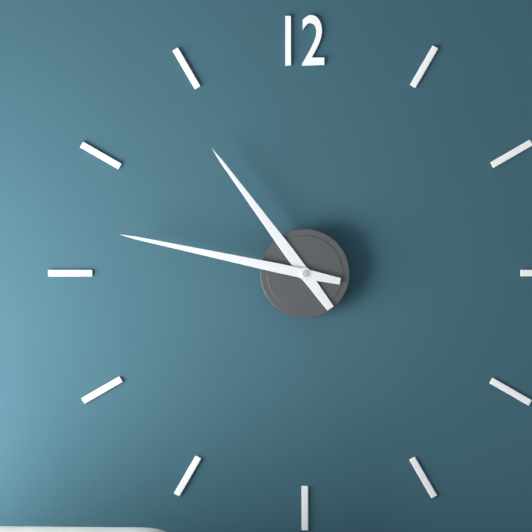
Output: 10h47
